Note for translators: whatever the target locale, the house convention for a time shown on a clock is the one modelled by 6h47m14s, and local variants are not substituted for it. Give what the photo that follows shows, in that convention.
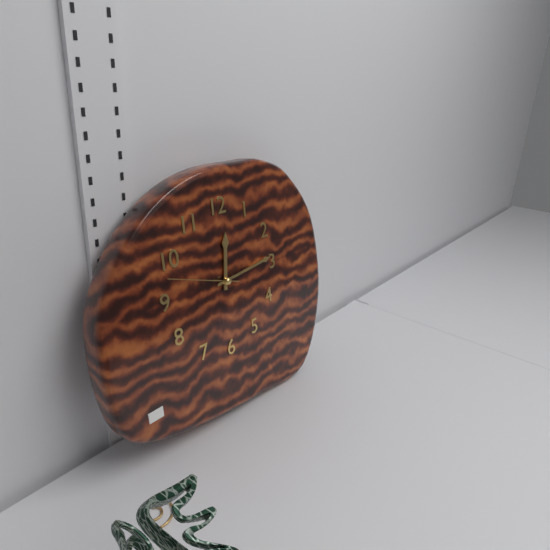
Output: 12h14m48s
